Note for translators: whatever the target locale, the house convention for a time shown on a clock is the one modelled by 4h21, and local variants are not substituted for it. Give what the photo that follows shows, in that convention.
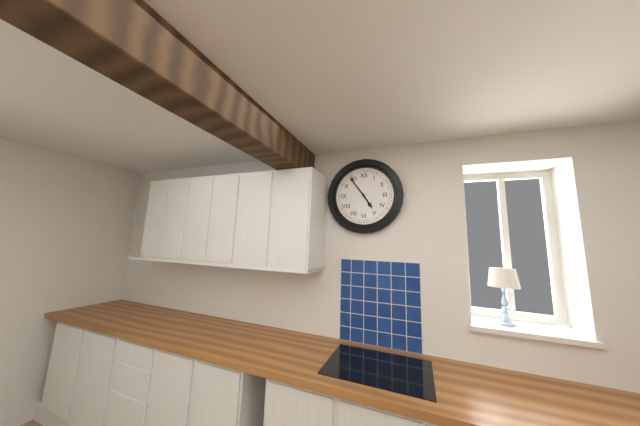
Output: 4h54
